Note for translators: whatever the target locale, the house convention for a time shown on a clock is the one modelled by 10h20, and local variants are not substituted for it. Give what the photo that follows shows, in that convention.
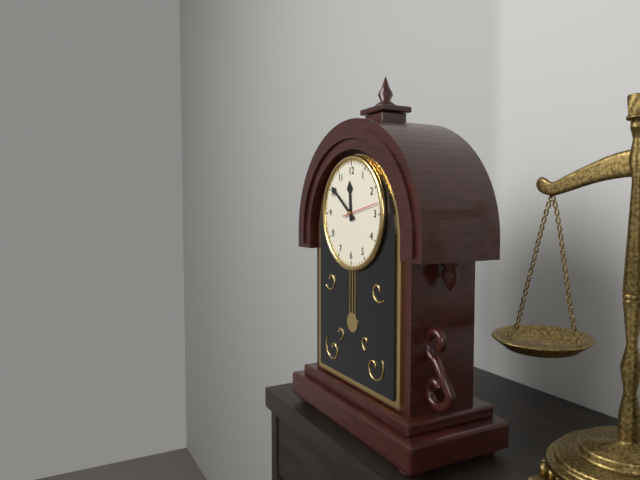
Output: 11h51
